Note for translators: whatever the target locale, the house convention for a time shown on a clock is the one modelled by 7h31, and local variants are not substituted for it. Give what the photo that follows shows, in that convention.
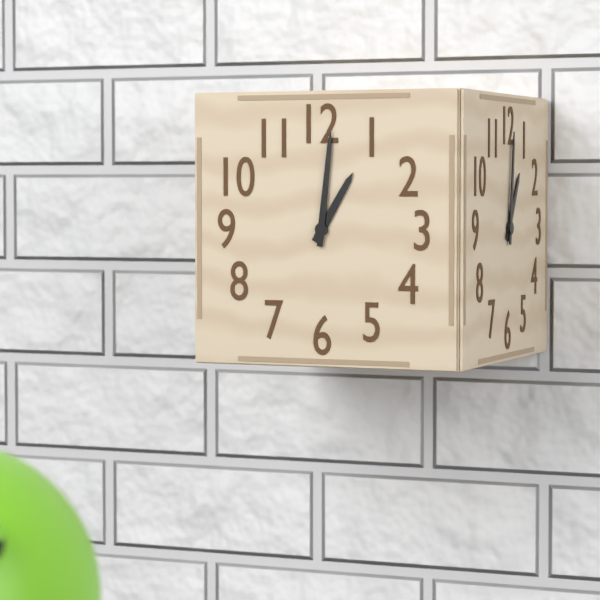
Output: 1h01
